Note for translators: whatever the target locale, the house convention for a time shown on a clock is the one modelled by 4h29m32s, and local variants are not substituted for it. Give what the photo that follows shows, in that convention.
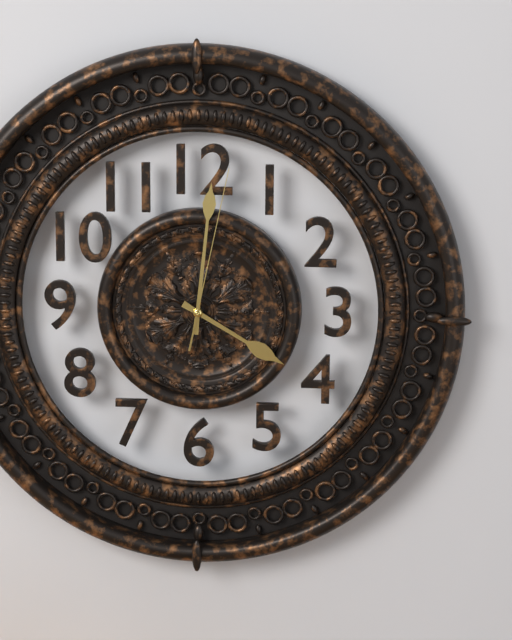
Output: 4h01m02s
